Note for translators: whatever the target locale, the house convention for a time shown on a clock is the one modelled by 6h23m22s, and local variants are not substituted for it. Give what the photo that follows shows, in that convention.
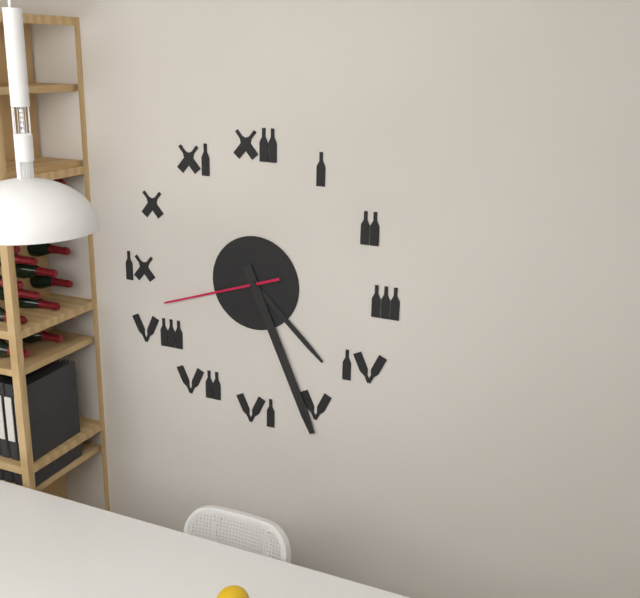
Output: 4h26m42s
